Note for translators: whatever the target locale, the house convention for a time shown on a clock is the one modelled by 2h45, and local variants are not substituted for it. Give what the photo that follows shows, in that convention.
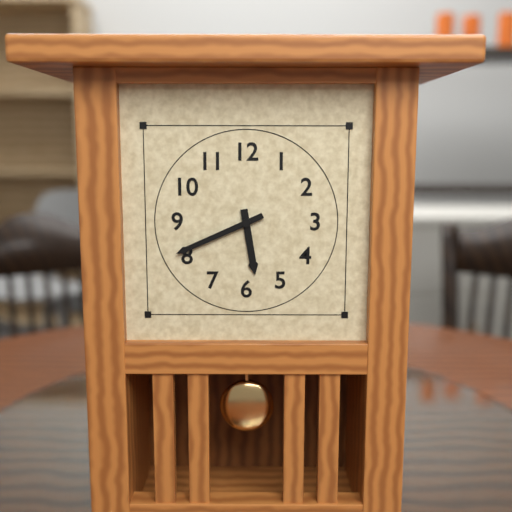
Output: 5h41
